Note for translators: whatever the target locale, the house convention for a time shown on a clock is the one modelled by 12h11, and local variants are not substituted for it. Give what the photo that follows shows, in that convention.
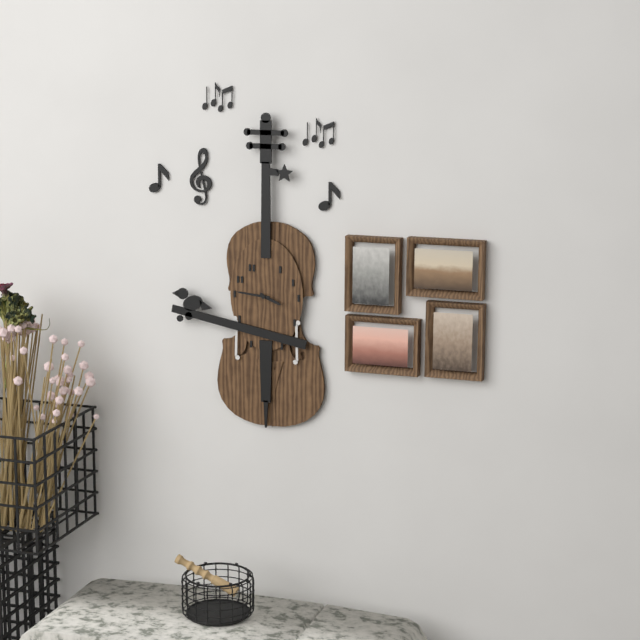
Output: 3h46
